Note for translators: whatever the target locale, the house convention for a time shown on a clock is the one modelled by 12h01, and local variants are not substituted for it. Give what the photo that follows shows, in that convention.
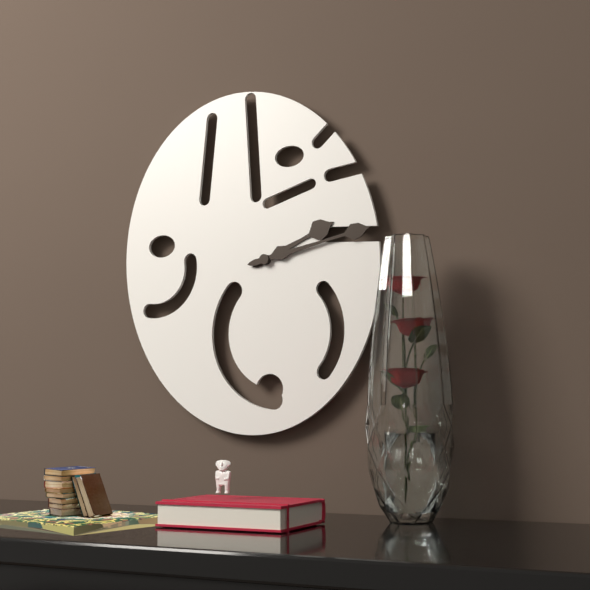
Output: 2h13
